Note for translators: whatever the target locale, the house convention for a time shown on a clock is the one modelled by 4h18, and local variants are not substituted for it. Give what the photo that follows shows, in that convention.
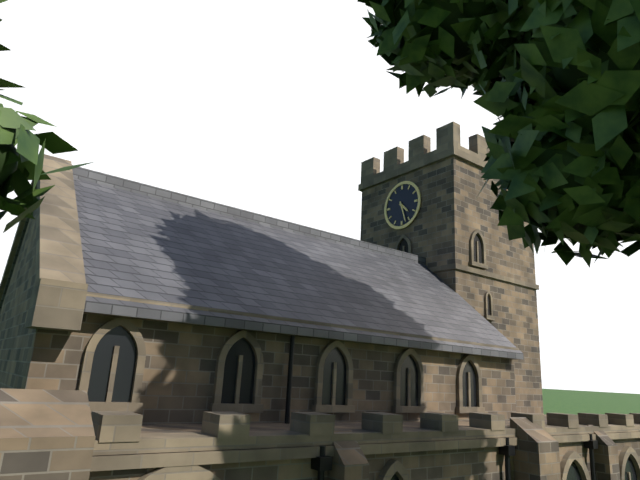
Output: 4h27
